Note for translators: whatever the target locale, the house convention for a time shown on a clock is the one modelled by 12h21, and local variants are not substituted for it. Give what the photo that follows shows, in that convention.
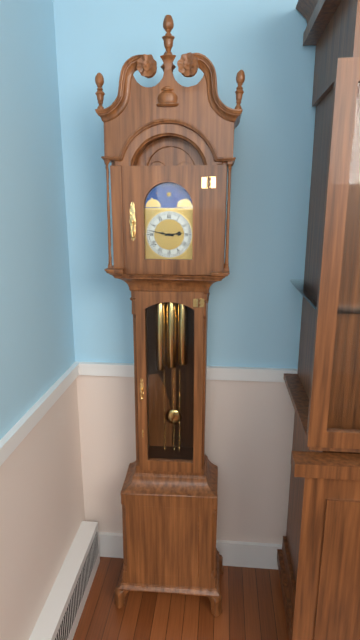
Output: 2h47
